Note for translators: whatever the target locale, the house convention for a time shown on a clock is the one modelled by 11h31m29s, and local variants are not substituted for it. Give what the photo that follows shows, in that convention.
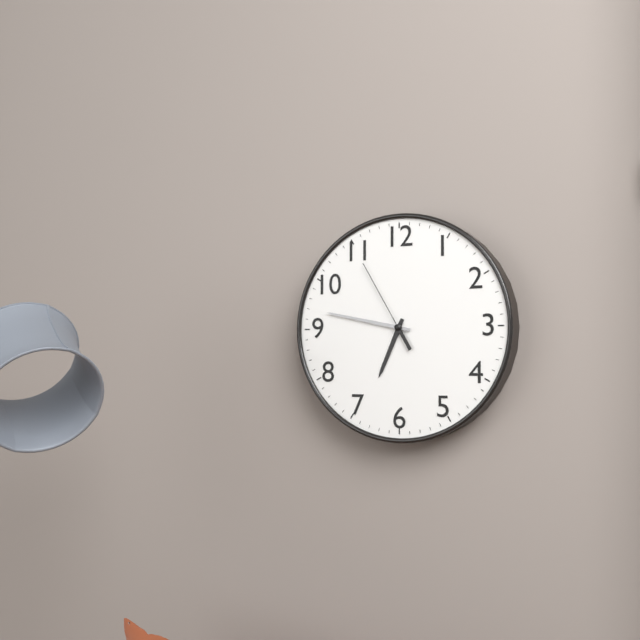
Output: 6h47m55s
